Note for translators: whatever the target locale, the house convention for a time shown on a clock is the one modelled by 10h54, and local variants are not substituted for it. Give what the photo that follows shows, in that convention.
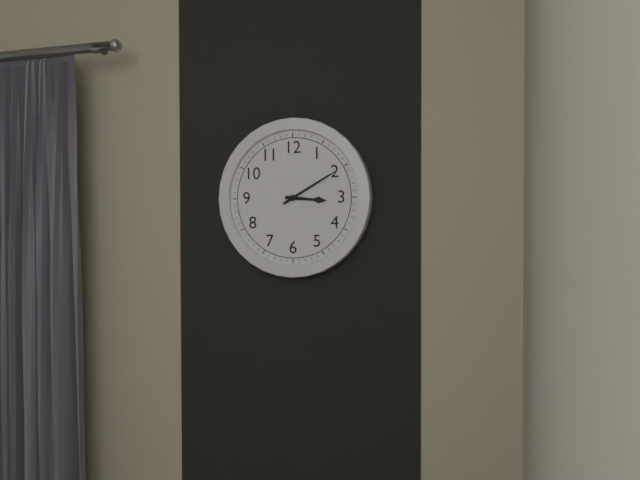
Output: 3h10
